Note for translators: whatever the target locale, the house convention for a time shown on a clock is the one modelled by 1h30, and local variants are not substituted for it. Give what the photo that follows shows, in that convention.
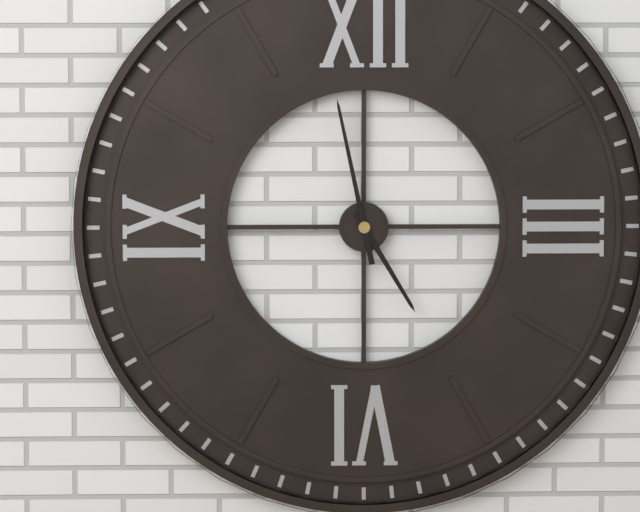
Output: 4h58
